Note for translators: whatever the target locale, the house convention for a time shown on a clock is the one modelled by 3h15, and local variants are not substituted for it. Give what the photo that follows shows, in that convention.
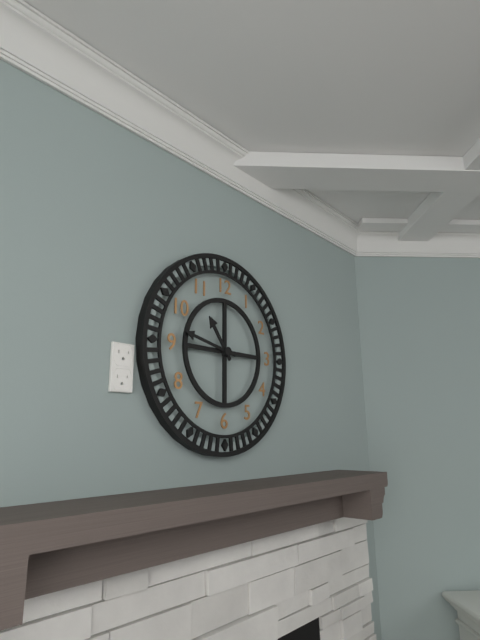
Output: 10h47
